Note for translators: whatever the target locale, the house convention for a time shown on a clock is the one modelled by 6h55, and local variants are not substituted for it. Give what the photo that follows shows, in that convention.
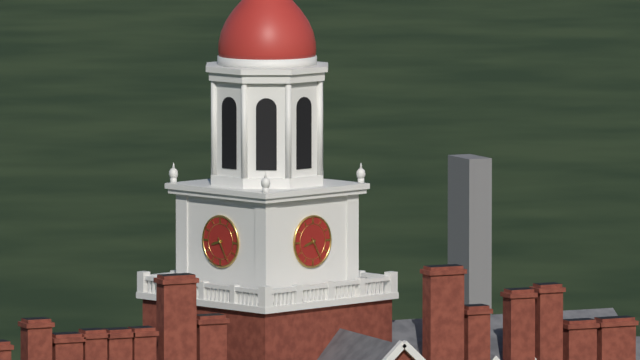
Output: 8h25
